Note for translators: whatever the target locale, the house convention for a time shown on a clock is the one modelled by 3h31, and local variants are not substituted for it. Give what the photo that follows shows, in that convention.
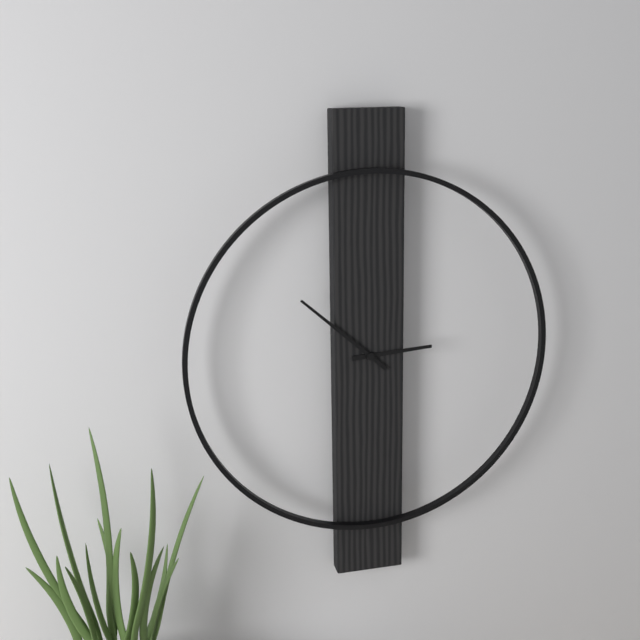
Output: 2h52
